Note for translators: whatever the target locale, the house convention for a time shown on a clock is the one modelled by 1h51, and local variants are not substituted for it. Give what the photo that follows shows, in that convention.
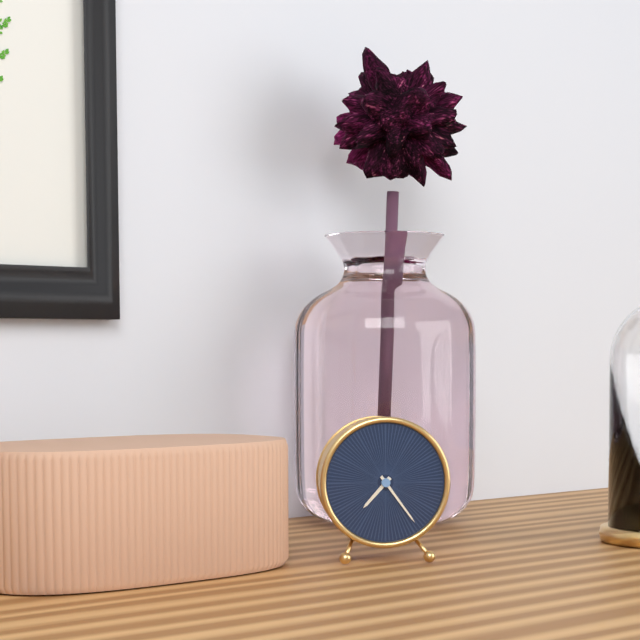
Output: 7h24
